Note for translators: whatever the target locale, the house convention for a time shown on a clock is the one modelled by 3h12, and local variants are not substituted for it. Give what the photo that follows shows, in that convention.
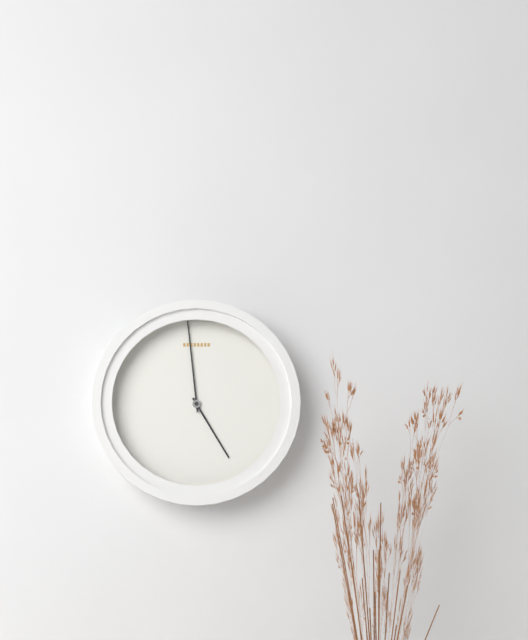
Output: 4h59
